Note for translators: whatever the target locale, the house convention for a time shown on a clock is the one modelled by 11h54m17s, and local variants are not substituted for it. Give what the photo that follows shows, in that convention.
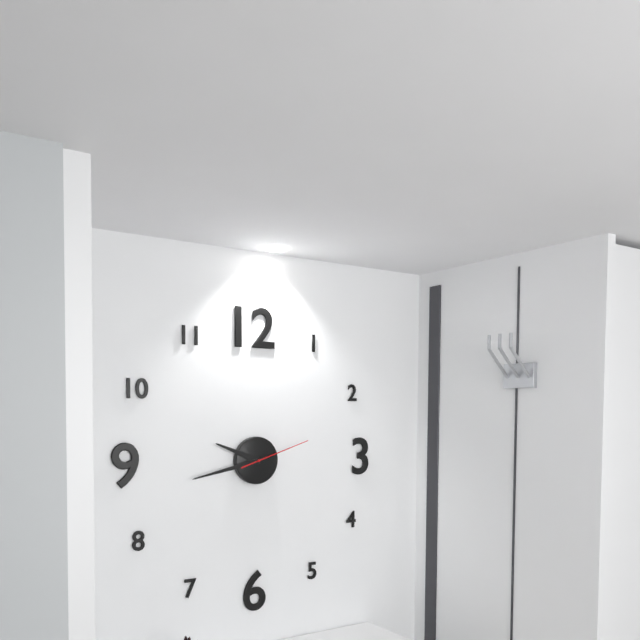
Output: 9h43m12s
